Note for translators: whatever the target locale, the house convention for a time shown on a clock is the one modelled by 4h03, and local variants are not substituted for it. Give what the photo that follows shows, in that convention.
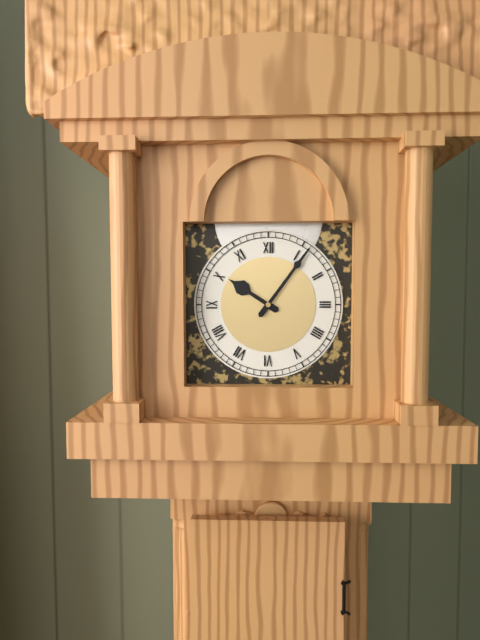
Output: 10h06
